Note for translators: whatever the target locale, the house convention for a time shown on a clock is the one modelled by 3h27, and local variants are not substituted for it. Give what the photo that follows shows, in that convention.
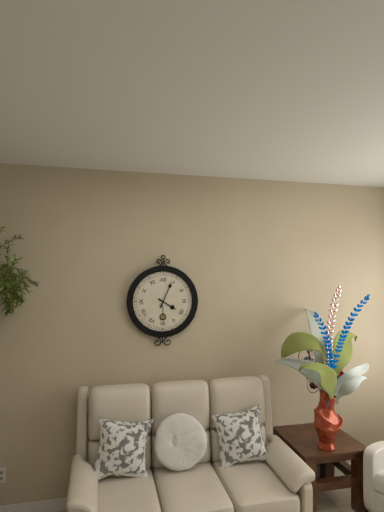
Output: 4h04
